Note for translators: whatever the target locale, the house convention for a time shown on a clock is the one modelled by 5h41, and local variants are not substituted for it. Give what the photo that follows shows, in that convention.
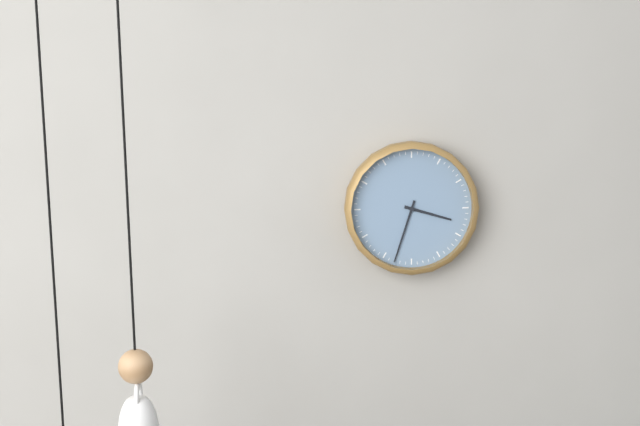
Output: 3h33
